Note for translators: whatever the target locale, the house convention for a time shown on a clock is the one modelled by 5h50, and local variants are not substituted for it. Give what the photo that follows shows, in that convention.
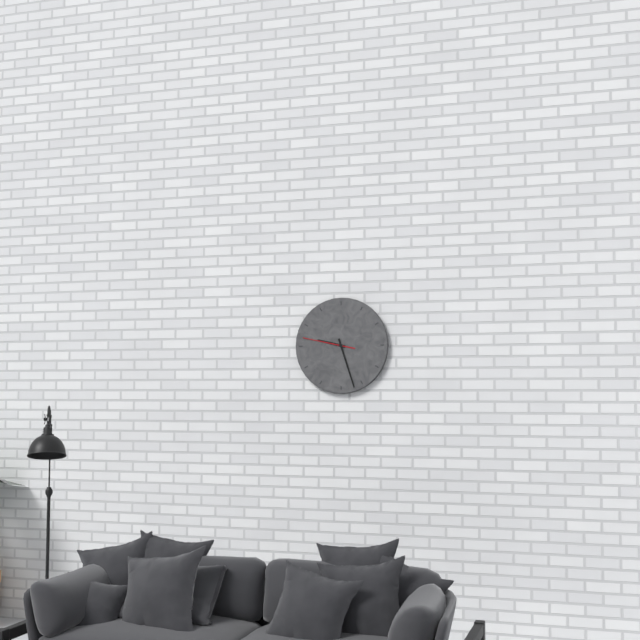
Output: 9h27
